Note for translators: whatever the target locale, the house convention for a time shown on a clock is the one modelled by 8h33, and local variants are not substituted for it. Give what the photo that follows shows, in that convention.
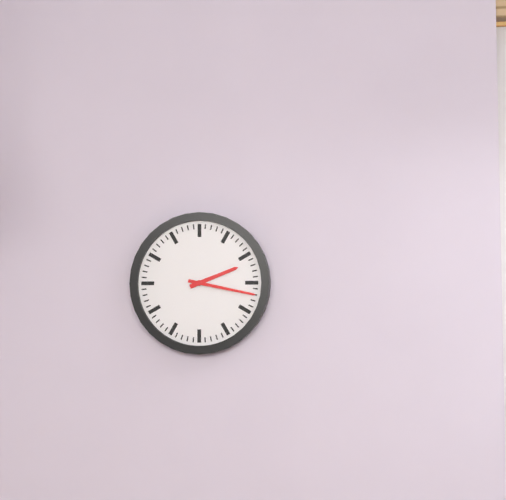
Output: 2h17
